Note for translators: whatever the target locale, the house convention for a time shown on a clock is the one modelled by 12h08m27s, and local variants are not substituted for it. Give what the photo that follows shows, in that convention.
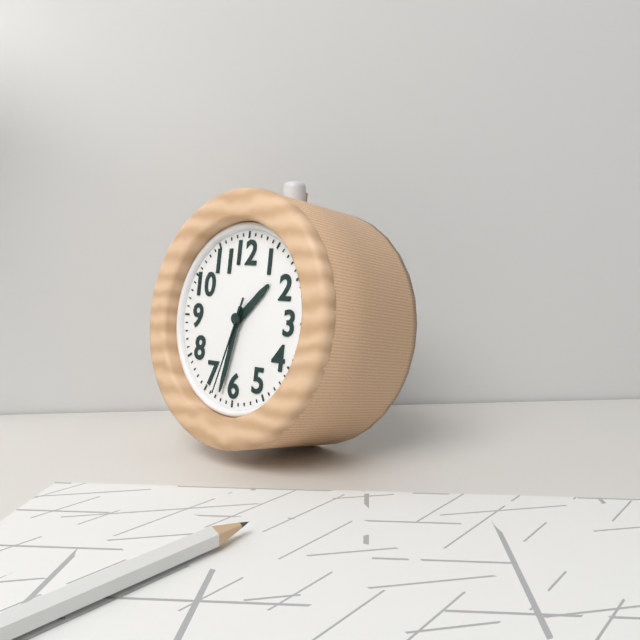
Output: 1h32m33s
